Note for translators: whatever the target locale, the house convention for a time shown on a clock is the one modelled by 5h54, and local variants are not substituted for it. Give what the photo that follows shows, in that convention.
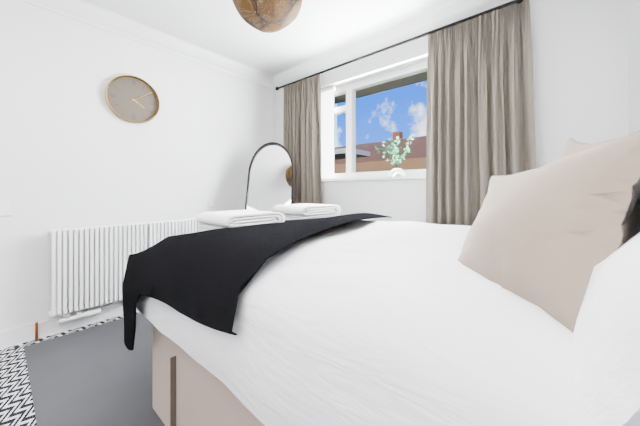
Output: 4h09
